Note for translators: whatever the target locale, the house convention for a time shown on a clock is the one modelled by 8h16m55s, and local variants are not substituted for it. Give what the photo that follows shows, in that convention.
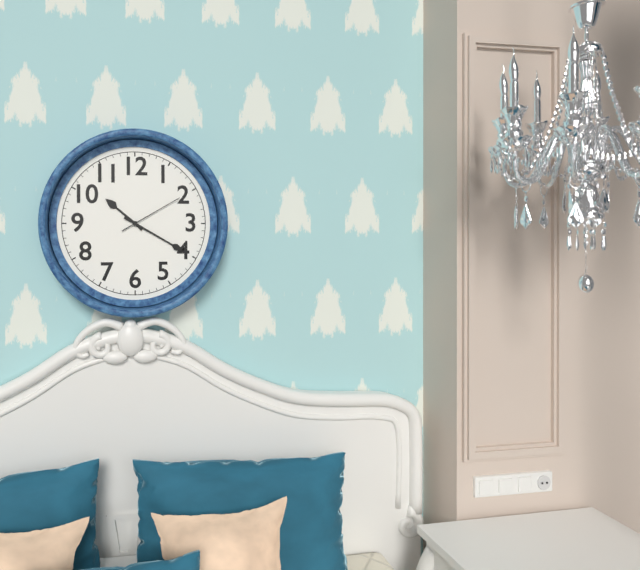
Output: 10h20m10s
